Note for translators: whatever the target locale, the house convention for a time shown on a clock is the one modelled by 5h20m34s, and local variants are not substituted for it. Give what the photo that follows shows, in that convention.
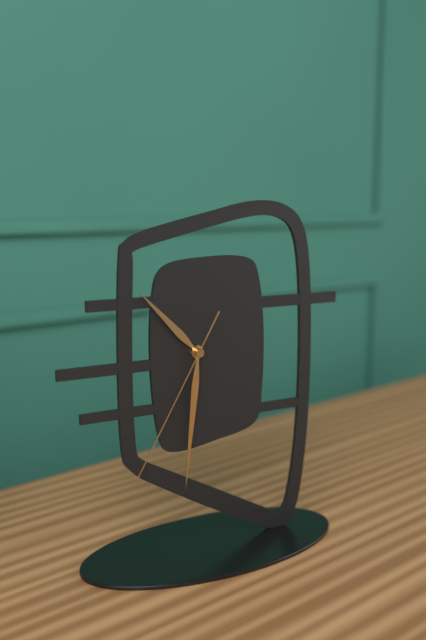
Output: 10h31m35s
